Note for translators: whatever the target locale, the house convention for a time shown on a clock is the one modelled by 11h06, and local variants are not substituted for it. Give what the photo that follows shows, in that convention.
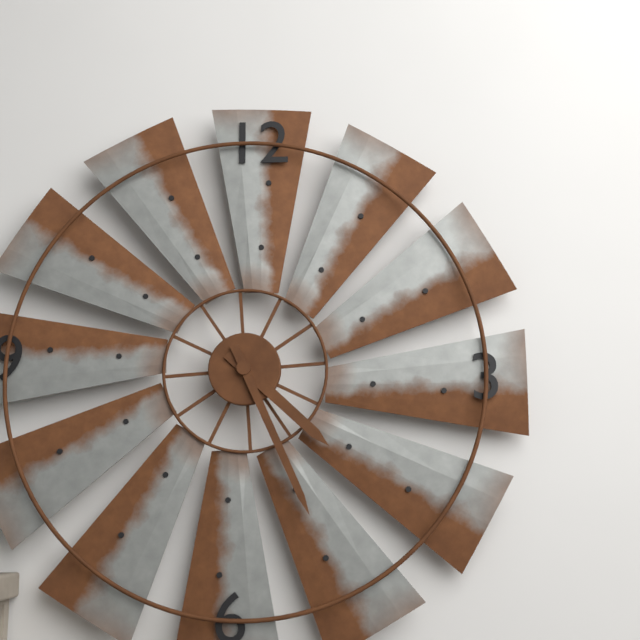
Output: 4h26
